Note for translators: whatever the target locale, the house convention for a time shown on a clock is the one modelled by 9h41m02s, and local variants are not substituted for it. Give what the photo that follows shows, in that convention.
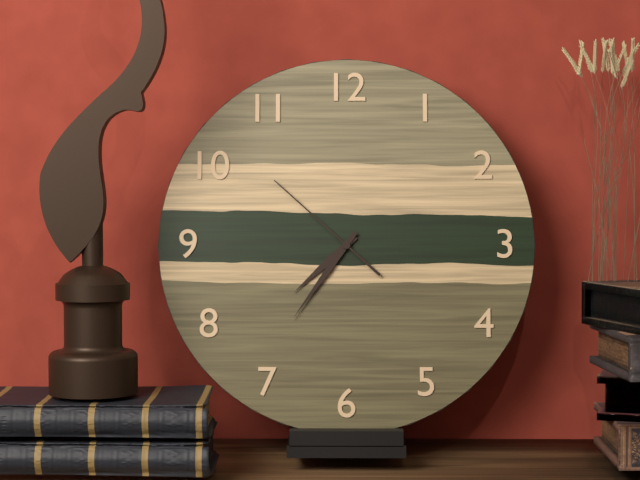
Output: 7h36m52s
